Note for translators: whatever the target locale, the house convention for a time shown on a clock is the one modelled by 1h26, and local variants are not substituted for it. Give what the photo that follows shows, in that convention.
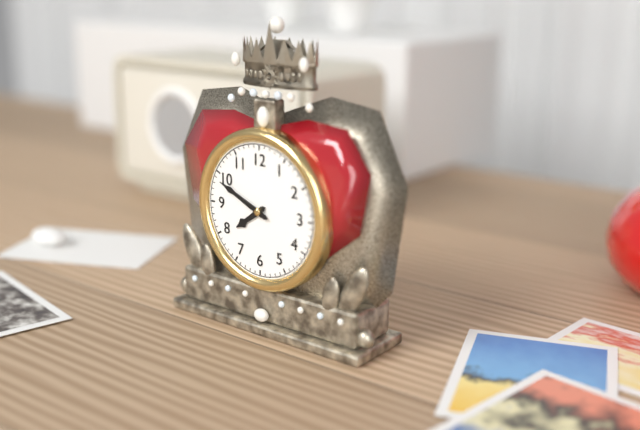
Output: 7h49
